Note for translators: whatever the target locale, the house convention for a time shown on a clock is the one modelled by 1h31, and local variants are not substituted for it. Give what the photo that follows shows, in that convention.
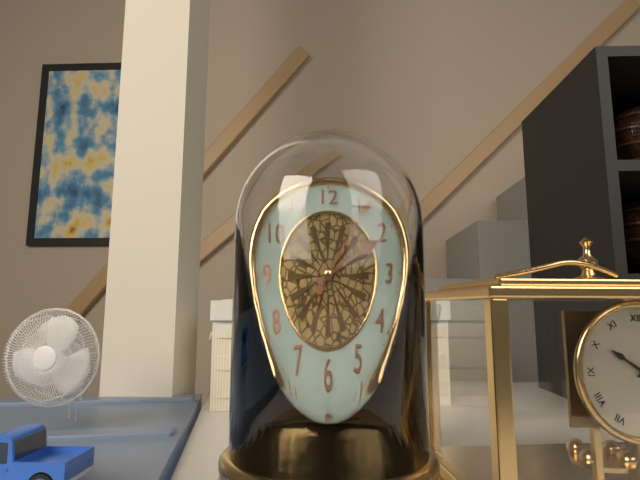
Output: 2h06
